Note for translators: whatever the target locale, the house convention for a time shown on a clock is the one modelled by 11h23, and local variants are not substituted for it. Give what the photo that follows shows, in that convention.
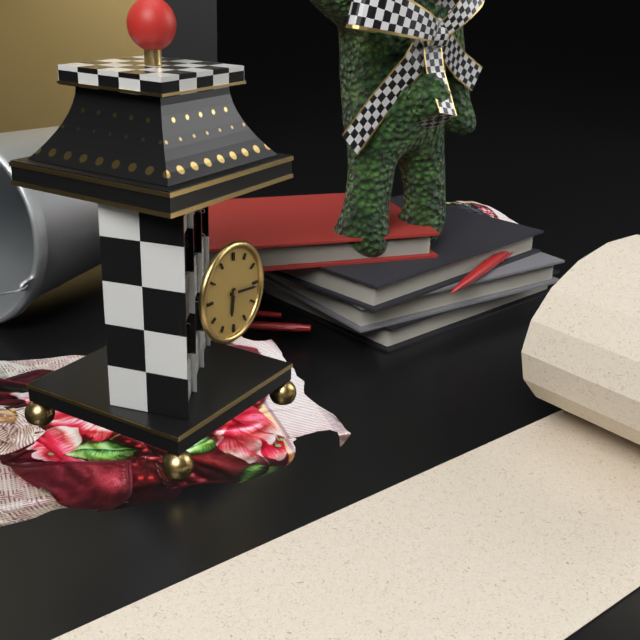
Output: 6h16
